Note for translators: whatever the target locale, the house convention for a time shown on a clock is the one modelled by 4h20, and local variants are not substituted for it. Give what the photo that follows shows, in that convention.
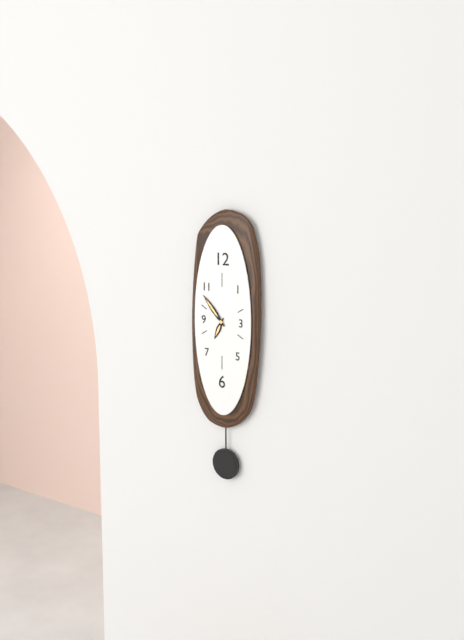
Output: 6h53
